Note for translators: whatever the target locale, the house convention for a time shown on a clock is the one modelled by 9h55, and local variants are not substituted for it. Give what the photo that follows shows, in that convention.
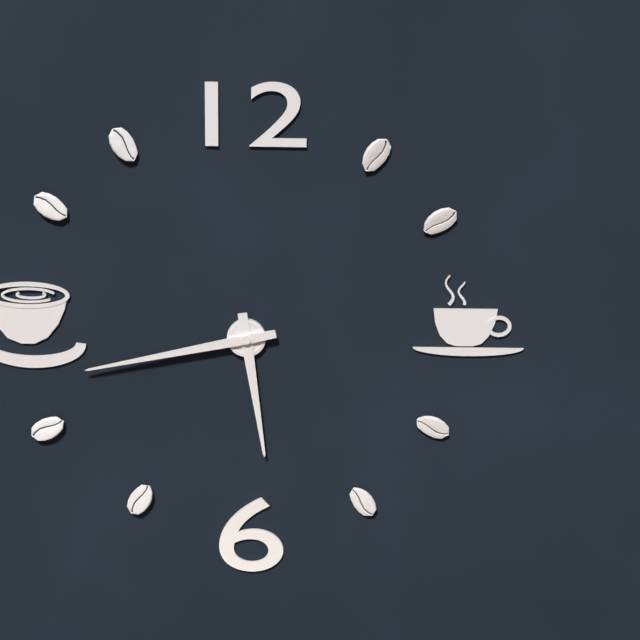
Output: 5h43
